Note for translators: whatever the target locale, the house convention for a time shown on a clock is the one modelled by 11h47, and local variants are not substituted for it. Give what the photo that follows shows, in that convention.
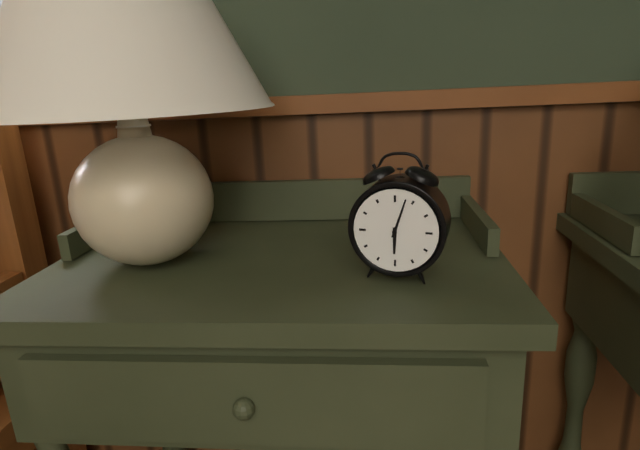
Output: 6h03
